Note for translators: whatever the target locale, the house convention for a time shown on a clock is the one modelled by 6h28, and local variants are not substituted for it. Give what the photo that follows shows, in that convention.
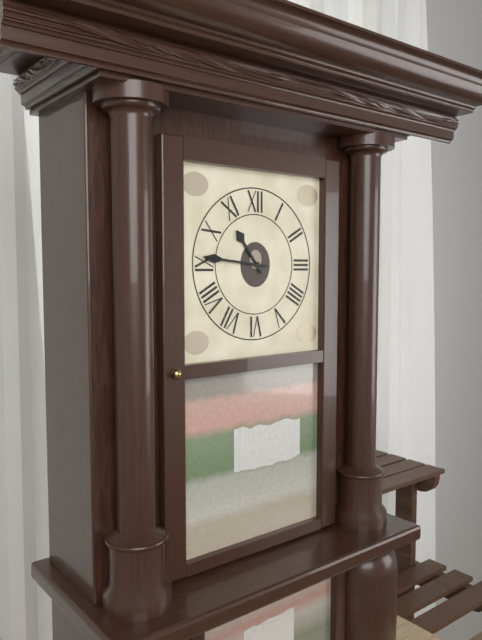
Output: 10h46
